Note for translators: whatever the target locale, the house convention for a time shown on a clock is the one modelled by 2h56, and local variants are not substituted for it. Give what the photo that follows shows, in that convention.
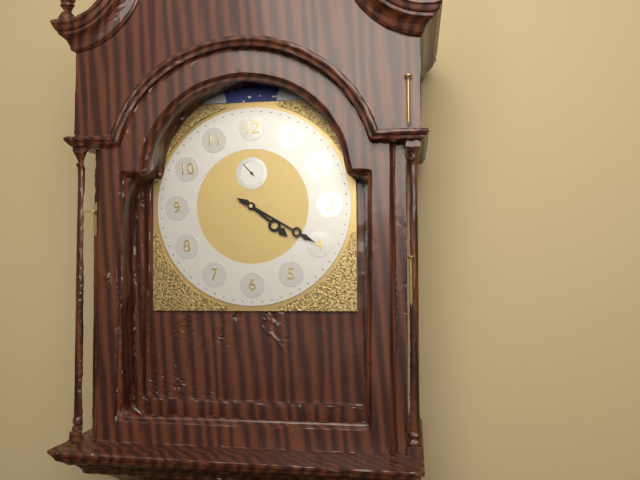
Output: 4h20
